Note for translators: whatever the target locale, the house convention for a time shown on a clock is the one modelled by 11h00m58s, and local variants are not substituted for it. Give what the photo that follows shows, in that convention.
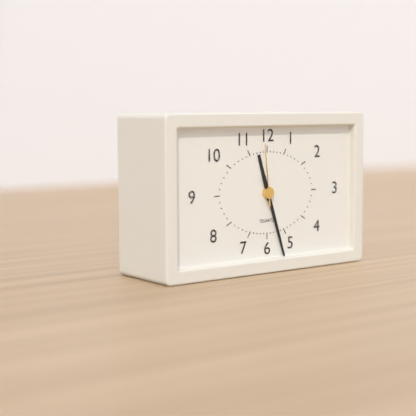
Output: 11h27m59s
